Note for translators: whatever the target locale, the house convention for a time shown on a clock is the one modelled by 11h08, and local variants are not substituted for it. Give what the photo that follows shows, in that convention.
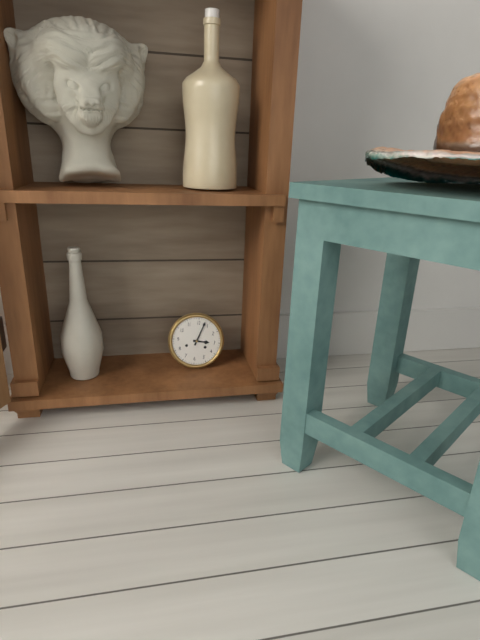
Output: 3h03
